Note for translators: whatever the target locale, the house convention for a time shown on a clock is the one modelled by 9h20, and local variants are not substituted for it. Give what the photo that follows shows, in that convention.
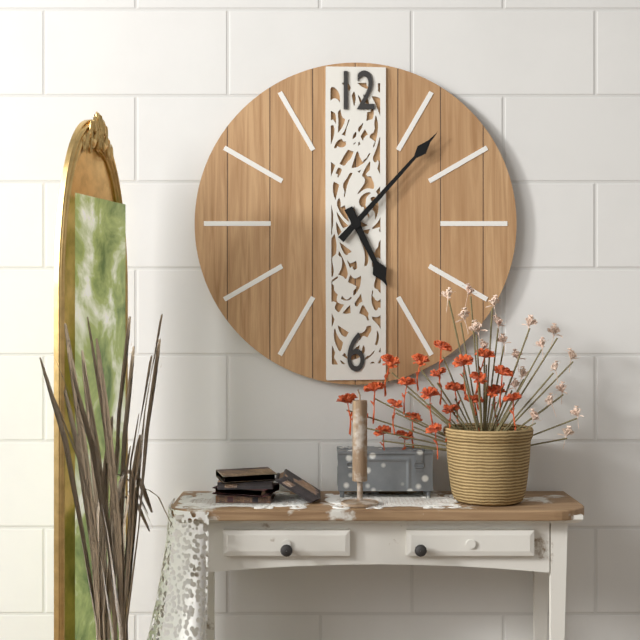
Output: 5h07
